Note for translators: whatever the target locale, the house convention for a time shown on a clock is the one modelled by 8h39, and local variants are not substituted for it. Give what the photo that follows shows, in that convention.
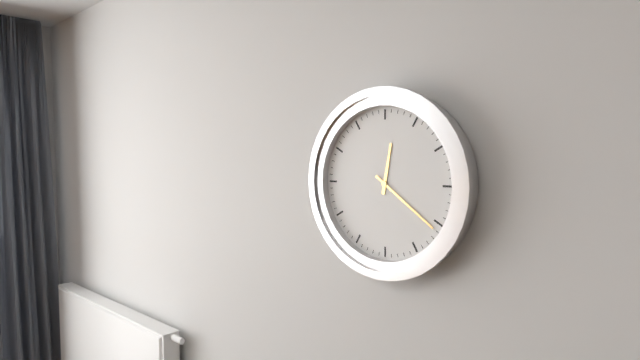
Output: 12h21
